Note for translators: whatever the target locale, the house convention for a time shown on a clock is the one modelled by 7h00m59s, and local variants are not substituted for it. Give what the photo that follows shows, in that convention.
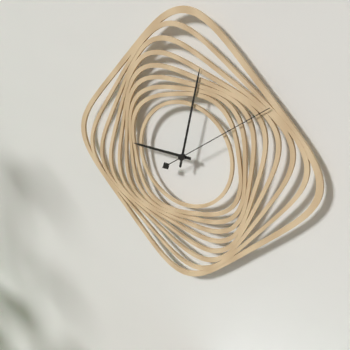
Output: 9h02m09s
